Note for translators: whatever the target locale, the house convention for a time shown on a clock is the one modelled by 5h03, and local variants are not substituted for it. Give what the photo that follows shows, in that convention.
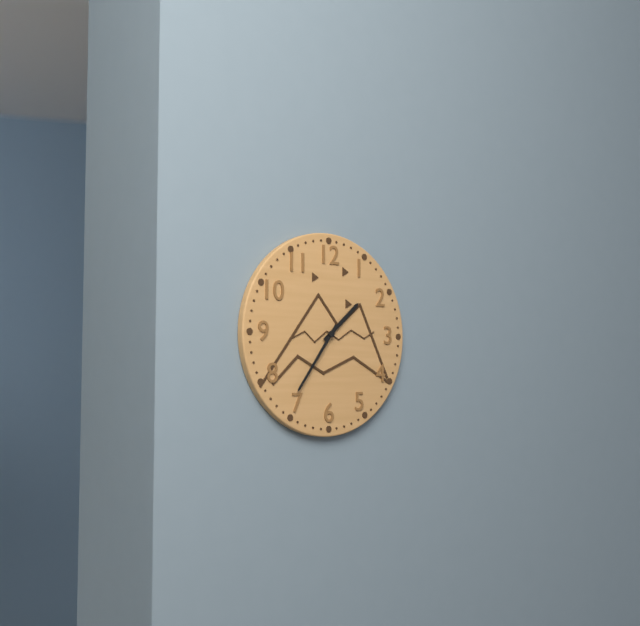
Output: 1h36
